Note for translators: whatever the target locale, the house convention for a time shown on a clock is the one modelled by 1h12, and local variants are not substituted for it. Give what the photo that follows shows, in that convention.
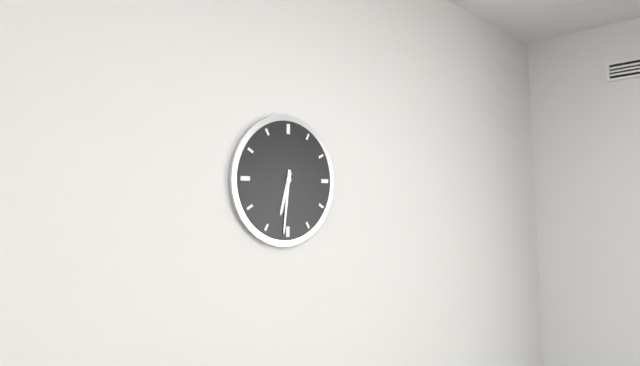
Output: 6h31
